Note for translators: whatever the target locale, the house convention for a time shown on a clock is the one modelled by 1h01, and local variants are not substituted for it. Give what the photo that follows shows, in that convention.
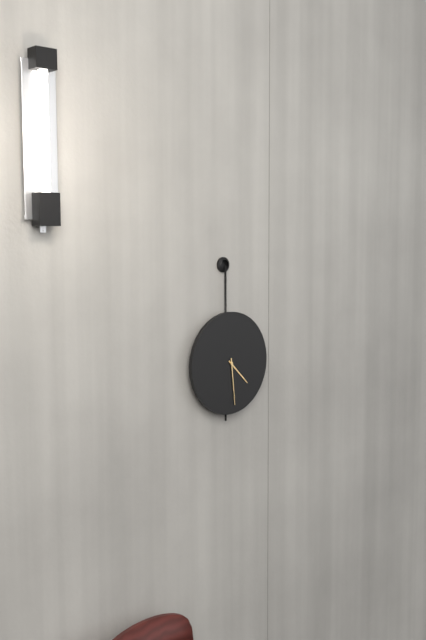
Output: 4h29
